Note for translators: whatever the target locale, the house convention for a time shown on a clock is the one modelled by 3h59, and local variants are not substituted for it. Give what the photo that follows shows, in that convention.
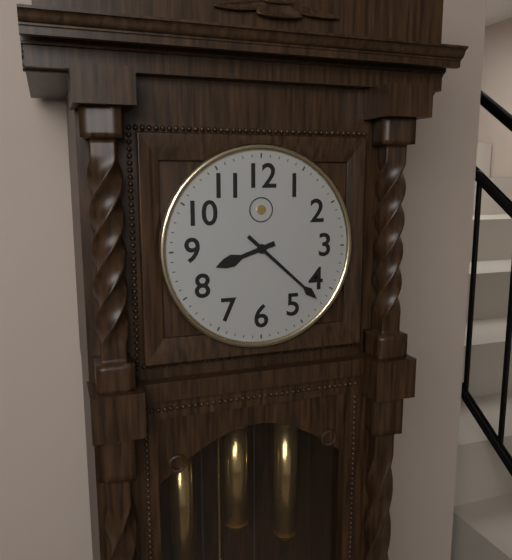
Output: 8h22
